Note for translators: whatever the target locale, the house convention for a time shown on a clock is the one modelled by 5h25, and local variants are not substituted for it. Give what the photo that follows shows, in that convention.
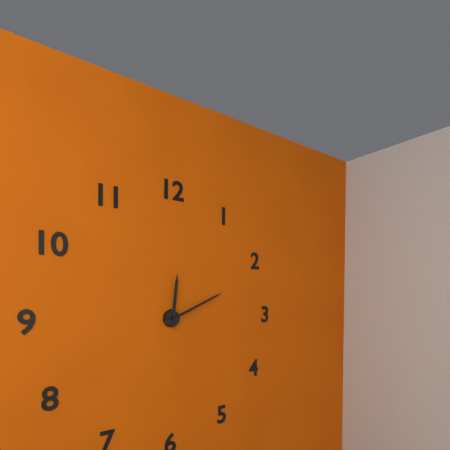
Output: 12h11
